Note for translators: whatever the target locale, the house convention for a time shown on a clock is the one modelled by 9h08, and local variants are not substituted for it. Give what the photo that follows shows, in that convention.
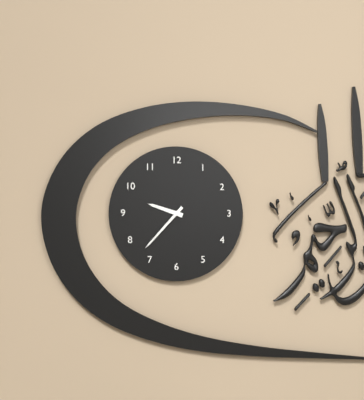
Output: 9h37
